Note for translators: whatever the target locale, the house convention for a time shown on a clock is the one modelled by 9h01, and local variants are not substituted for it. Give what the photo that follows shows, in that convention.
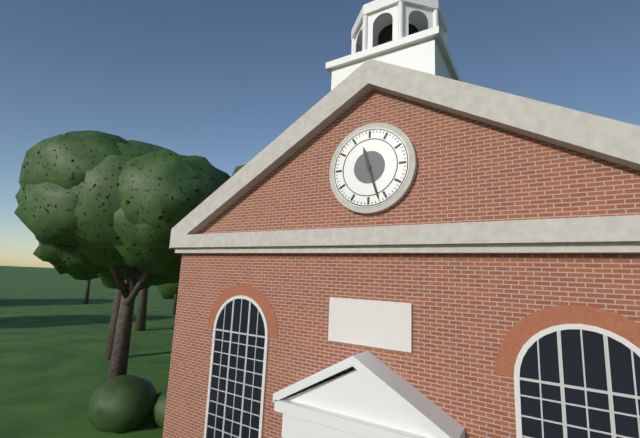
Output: 11h27
